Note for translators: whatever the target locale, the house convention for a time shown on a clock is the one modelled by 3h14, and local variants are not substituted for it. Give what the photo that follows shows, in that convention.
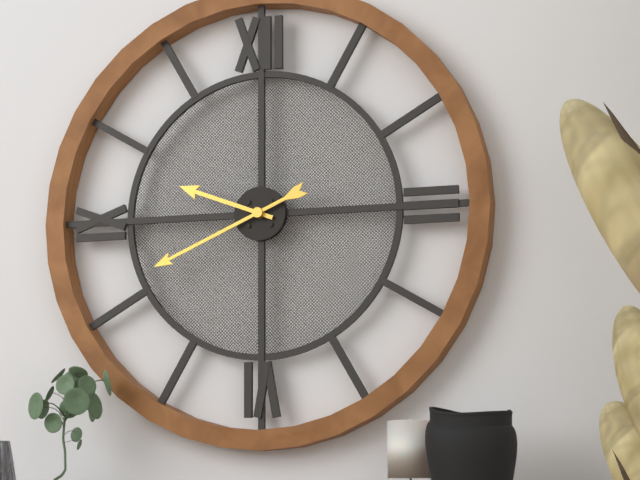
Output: 9h41
